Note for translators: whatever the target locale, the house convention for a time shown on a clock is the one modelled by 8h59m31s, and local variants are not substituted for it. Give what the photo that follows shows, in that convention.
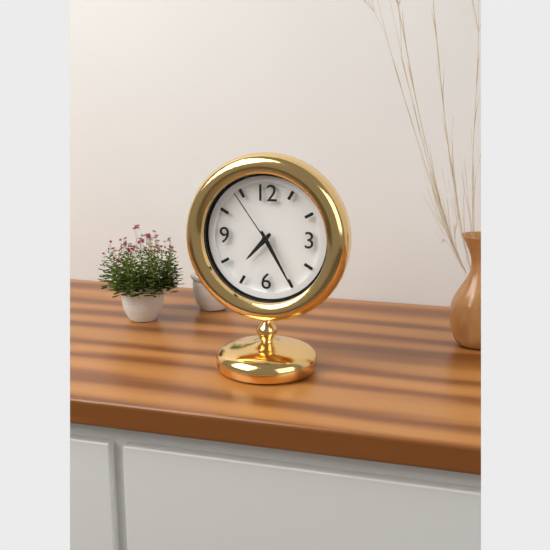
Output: 7h25m54s
